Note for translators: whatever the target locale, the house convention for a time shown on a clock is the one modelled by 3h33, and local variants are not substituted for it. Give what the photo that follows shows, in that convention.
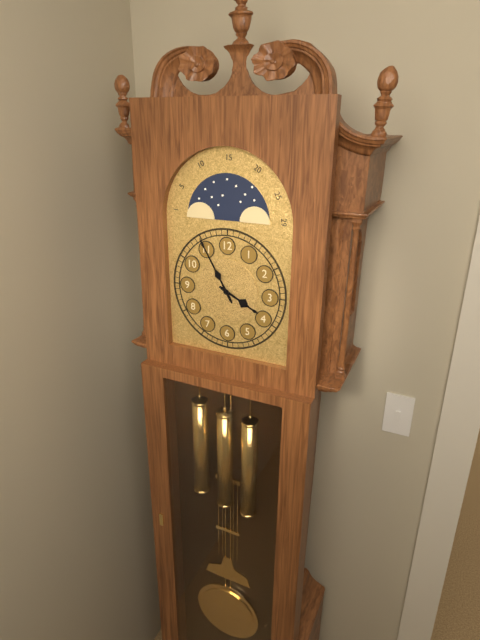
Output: 3h55
